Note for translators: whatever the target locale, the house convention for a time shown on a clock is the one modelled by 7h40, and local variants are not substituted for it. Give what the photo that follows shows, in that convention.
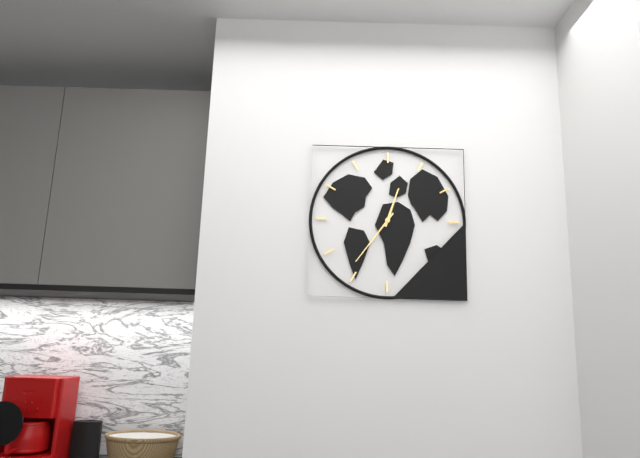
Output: 12h36
